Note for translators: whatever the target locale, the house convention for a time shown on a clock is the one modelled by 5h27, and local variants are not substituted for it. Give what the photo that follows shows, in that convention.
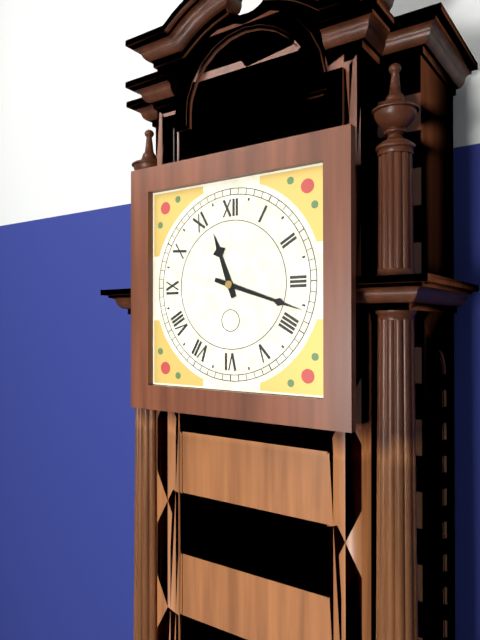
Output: 11h18
